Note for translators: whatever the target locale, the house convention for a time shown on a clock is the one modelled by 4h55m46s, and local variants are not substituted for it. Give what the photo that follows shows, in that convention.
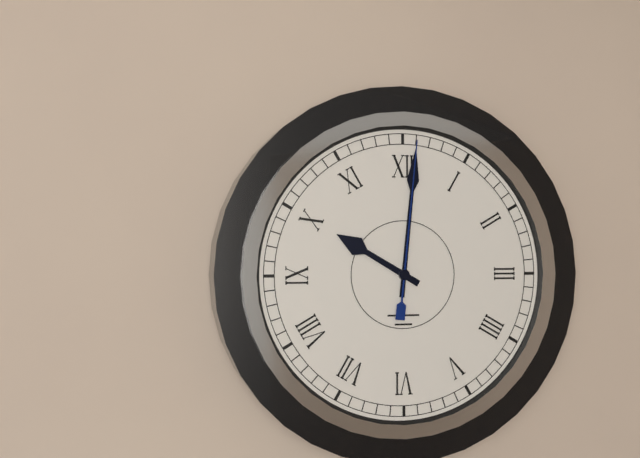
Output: 10h01m01s
